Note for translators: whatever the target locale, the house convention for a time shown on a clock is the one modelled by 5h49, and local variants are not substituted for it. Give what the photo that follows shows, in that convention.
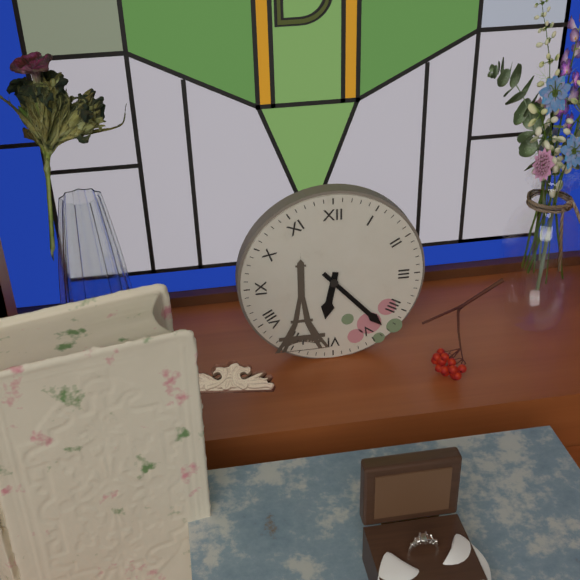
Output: 6h23
